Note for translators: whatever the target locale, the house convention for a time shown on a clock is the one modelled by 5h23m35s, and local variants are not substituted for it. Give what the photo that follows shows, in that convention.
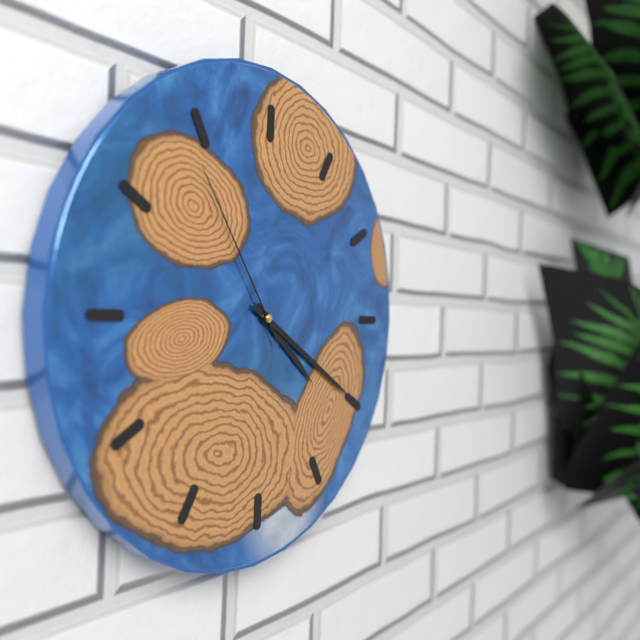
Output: 4h20m54s
